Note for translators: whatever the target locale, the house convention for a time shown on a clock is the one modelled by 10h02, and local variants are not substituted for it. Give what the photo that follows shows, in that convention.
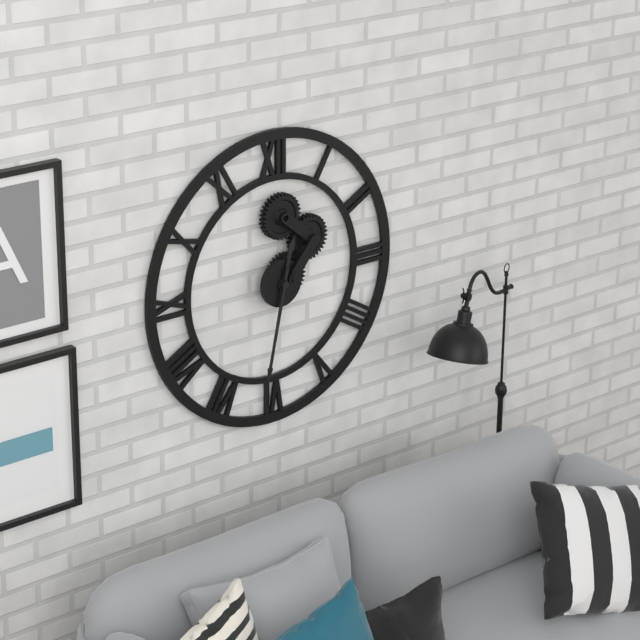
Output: 12h32
